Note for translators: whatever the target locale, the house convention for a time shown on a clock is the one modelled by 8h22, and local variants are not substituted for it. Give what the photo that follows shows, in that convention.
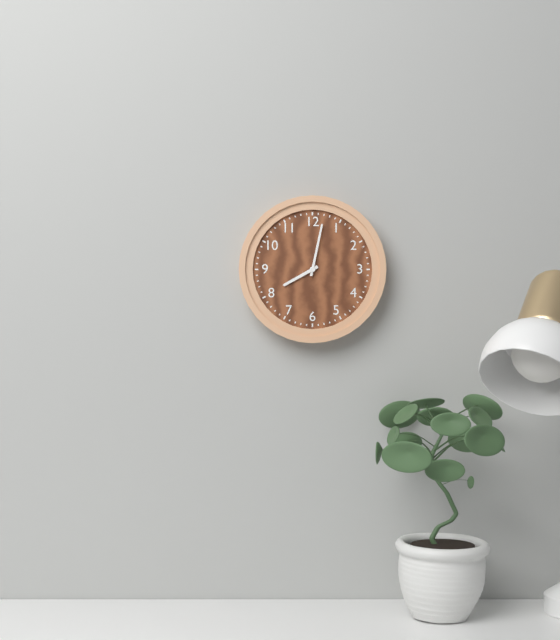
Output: 8h02
